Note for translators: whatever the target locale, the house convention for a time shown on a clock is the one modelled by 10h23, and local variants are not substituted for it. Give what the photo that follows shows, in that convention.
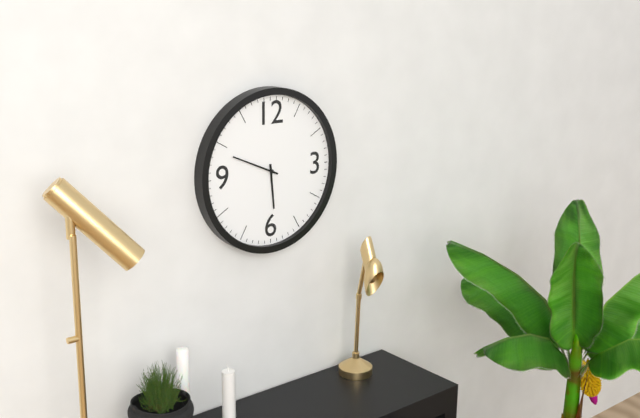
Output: 5h49
